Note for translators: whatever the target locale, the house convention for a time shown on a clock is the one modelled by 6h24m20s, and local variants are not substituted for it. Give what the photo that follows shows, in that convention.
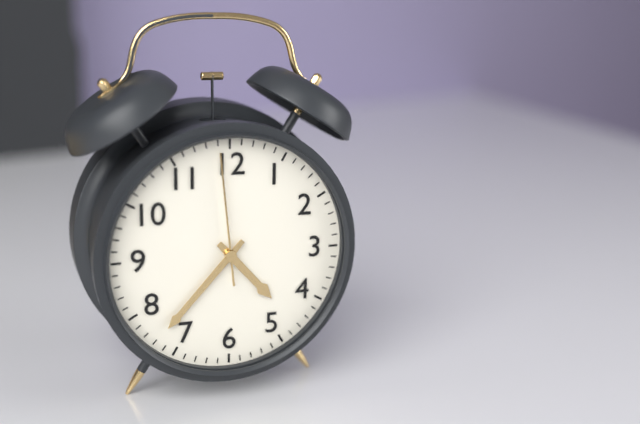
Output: 4h37m59s
